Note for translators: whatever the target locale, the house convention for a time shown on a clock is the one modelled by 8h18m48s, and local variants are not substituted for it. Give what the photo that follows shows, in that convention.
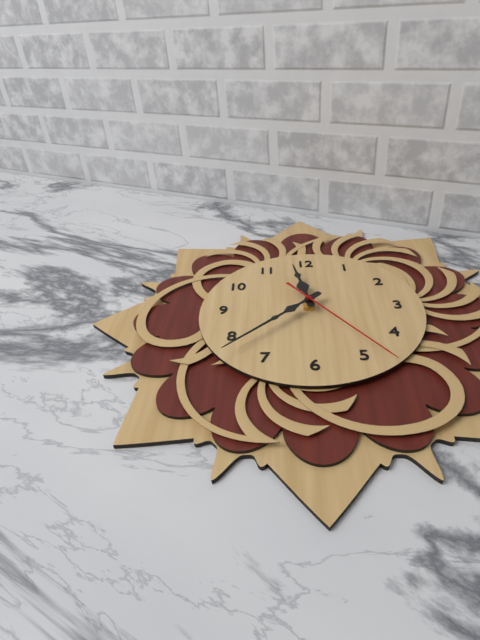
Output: 11h38m24s
